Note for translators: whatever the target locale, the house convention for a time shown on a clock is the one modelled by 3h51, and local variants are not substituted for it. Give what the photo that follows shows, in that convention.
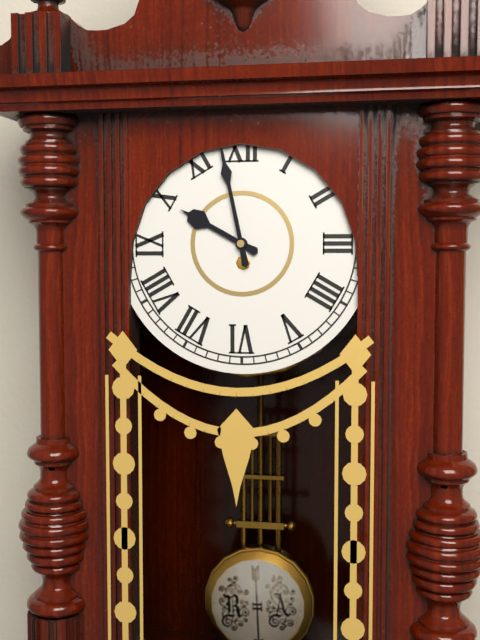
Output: 9h58
